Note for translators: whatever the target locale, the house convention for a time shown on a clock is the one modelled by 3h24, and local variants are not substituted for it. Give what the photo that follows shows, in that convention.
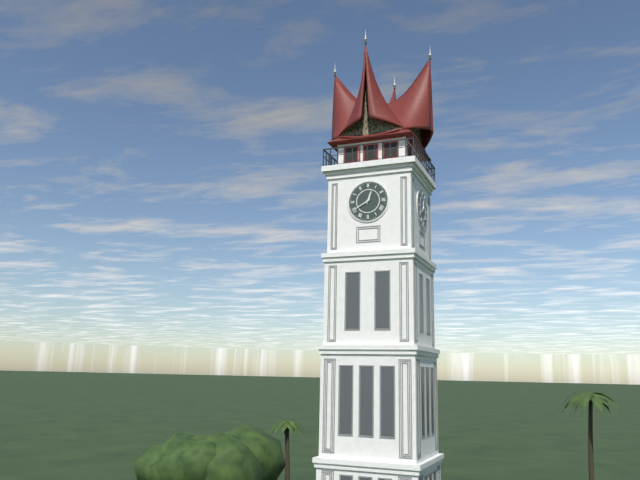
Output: 12h40
